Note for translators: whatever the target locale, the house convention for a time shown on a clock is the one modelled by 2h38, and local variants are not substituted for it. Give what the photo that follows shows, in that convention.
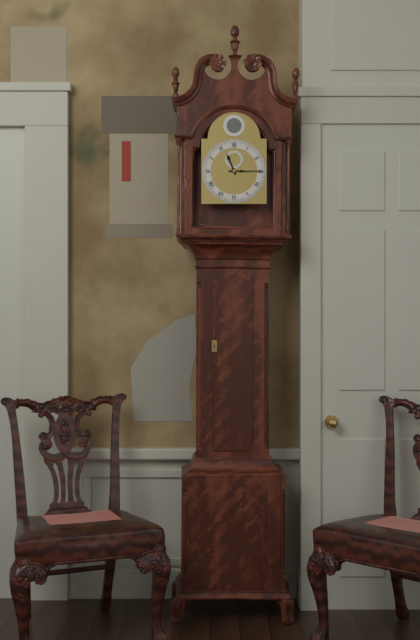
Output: 11h15
